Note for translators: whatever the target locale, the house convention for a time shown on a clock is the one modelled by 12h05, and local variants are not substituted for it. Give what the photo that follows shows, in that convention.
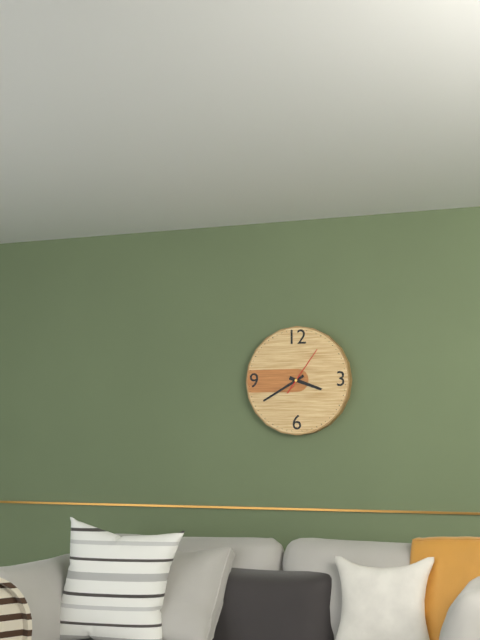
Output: 3h40
